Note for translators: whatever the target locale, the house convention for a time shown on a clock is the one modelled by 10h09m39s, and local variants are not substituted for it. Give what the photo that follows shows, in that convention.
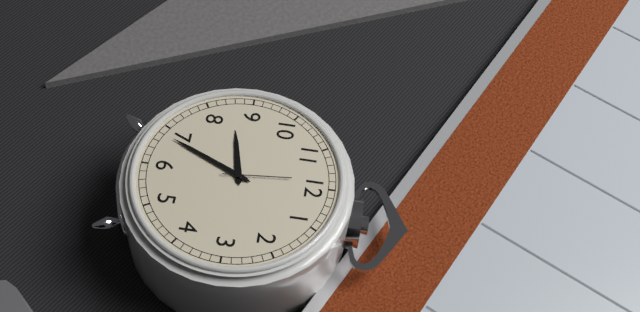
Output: 8h34m59s
